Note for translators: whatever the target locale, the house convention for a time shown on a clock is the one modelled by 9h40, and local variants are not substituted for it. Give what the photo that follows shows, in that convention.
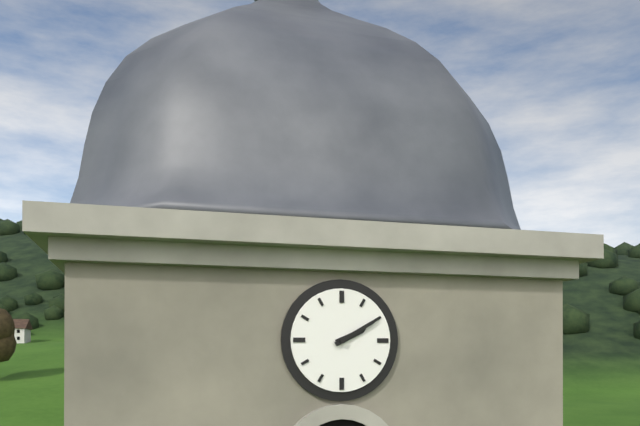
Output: 2h10
